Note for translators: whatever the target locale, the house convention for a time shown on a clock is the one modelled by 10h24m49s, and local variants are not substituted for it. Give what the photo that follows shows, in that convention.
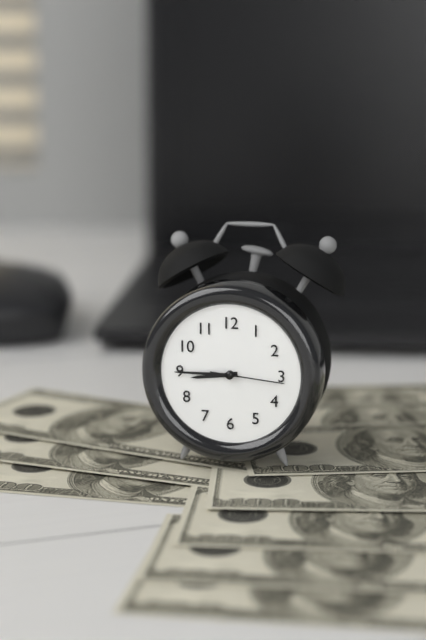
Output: 8h45m16s
